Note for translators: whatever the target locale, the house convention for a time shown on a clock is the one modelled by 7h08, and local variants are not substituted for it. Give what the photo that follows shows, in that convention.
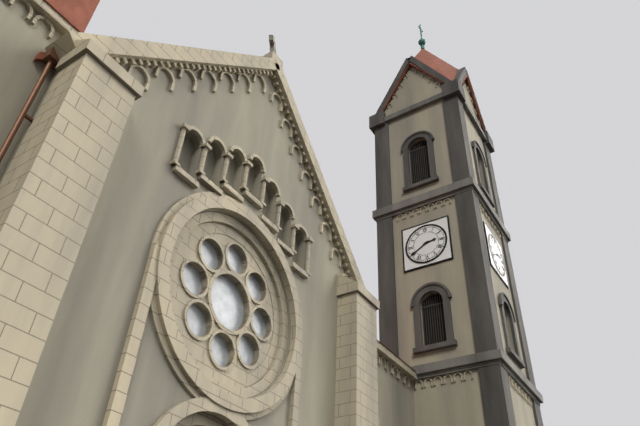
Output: 2h40
